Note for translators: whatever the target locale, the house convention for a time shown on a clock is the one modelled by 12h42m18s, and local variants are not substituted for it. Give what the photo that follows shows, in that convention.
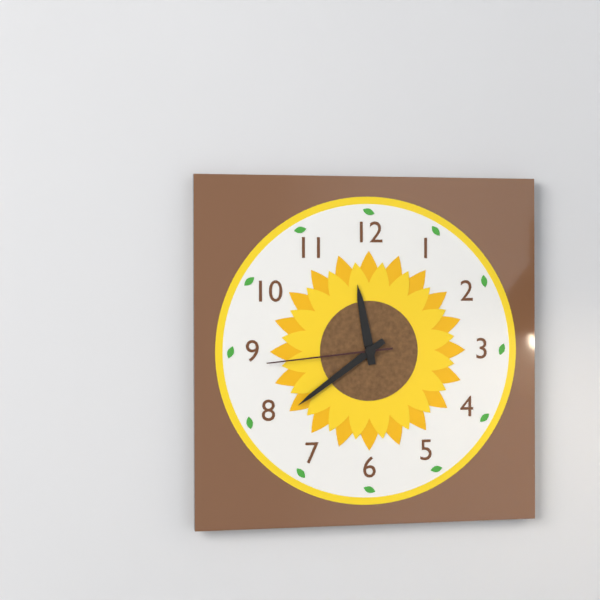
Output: 11h39m44s
